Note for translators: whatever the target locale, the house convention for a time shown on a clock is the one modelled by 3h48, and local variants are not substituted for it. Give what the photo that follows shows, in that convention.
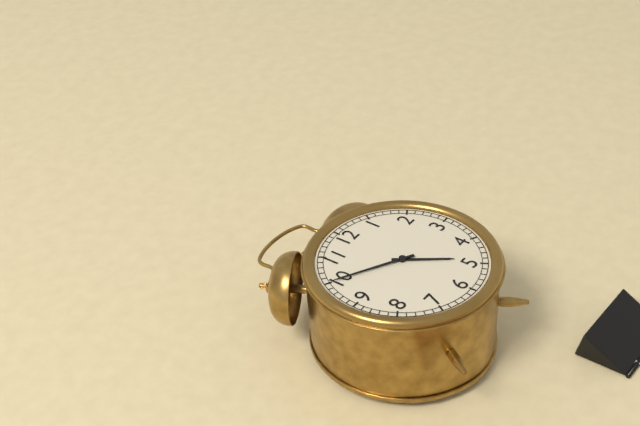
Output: 4h50
